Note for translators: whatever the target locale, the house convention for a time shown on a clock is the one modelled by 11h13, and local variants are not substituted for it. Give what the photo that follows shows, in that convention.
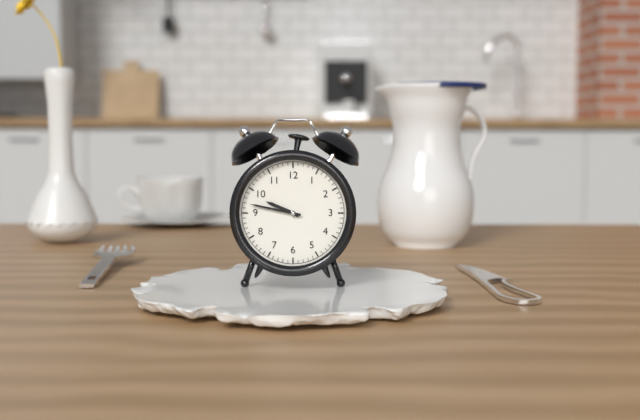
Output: 9h47
